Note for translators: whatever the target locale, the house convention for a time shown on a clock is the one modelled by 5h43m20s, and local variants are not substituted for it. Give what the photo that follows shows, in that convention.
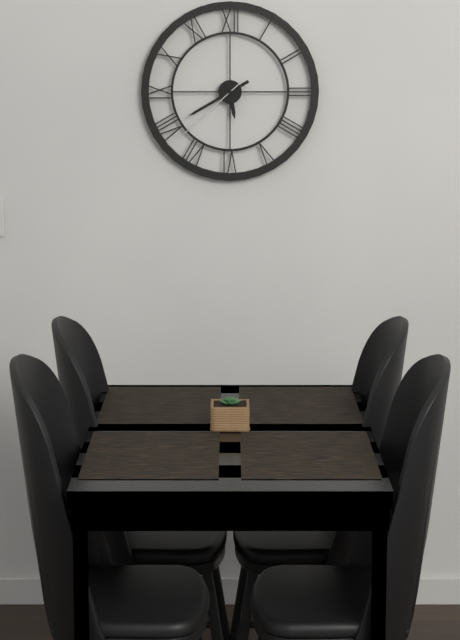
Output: 5h40m38s
